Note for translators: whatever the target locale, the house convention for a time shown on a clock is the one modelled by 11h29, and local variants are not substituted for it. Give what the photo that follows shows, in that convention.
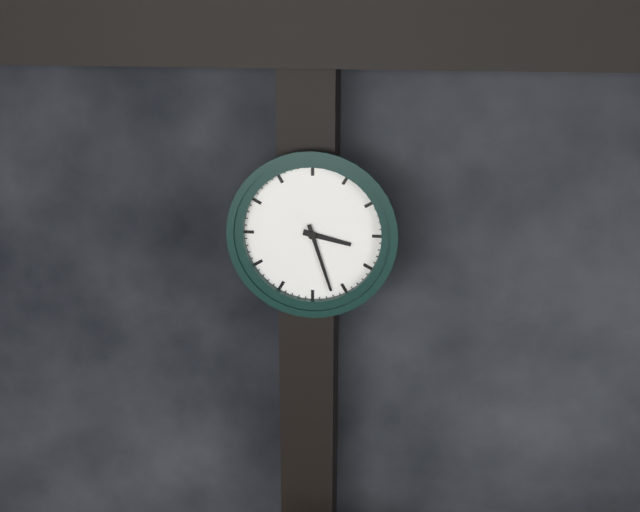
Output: 3h27
